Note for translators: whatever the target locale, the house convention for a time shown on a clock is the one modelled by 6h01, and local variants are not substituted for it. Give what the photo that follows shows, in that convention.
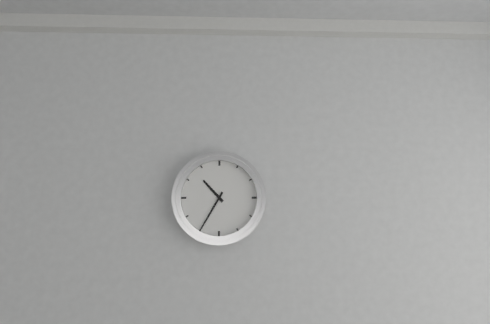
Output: 10h35
